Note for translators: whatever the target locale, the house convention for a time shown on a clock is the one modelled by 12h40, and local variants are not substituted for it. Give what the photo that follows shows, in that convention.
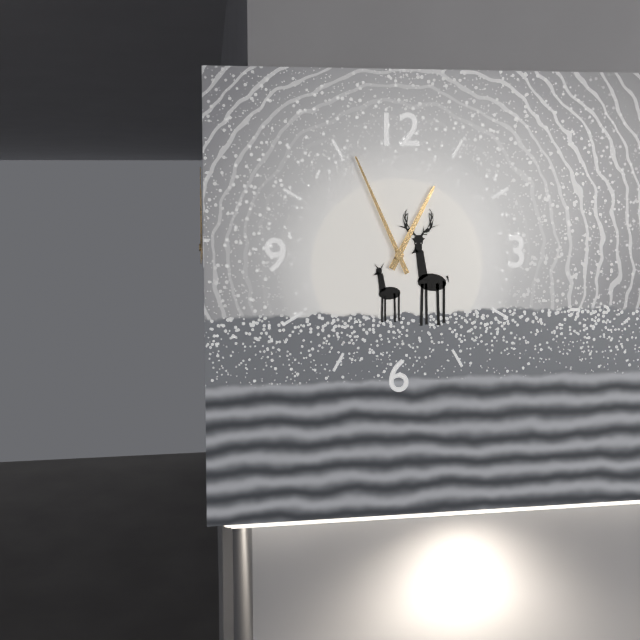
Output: 12h56
